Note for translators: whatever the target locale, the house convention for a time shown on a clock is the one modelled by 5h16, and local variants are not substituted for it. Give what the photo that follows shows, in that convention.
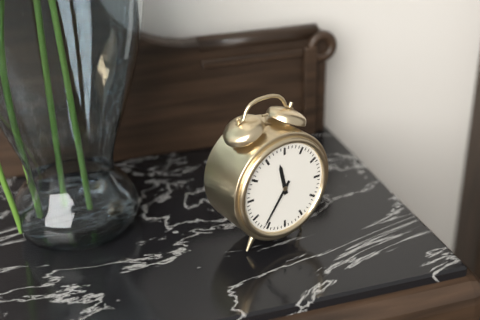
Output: 11h36
